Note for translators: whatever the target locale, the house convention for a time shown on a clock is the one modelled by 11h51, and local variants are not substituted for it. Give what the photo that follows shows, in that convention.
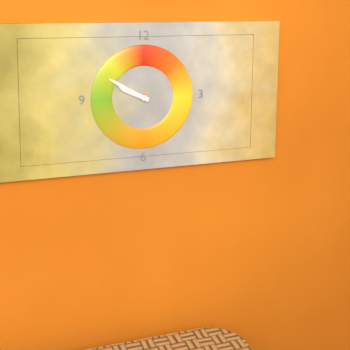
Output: 9h50
